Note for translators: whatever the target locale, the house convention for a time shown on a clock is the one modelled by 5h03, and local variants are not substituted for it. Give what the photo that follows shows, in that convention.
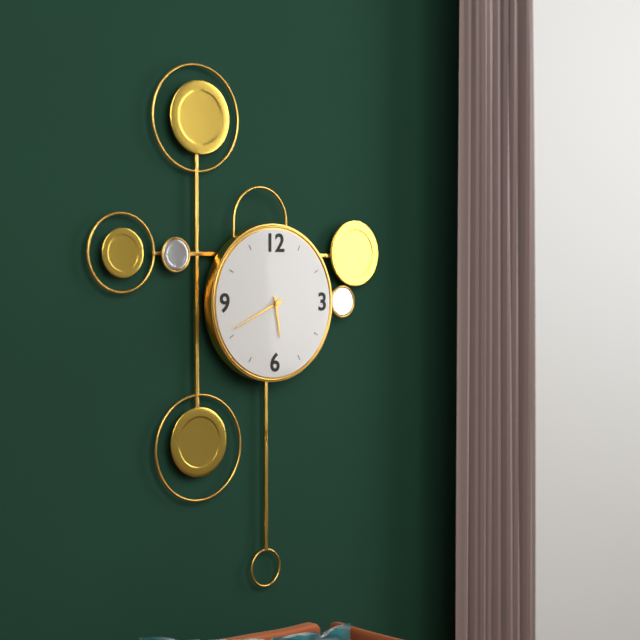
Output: 5h41
